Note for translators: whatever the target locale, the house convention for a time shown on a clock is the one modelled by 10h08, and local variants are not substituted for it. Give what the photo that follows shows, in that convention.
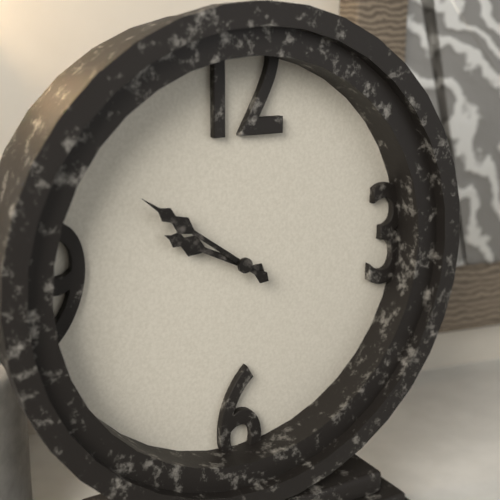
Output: 9h51
